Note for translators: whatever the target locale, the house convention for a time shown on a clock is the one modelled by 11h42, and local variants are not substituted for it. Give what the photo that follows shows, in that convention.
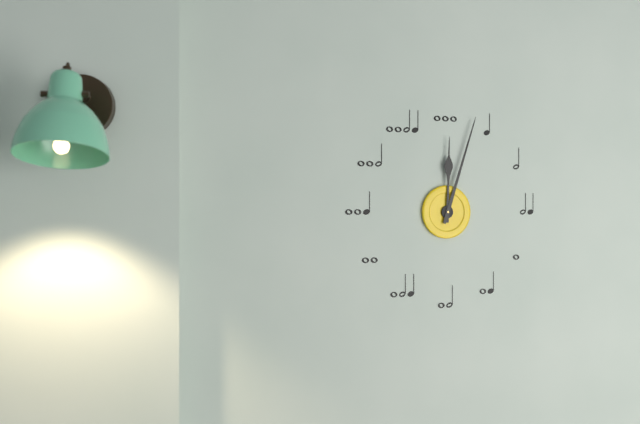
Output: 12h03
